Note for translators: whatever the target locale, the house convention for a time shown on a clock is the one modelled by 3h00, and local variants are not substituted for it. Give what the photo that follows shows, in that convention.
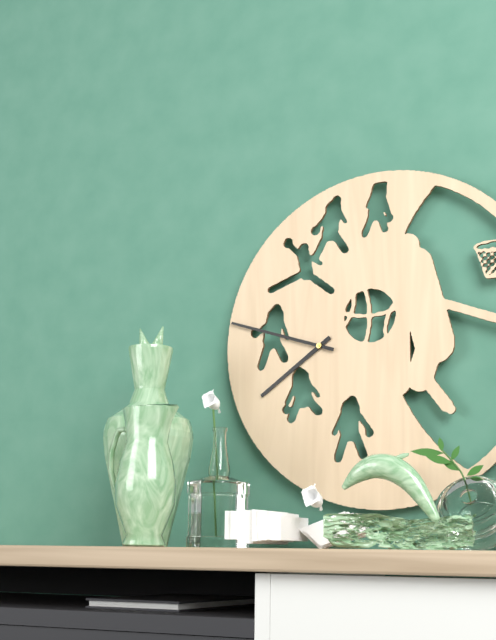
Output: 7h48
